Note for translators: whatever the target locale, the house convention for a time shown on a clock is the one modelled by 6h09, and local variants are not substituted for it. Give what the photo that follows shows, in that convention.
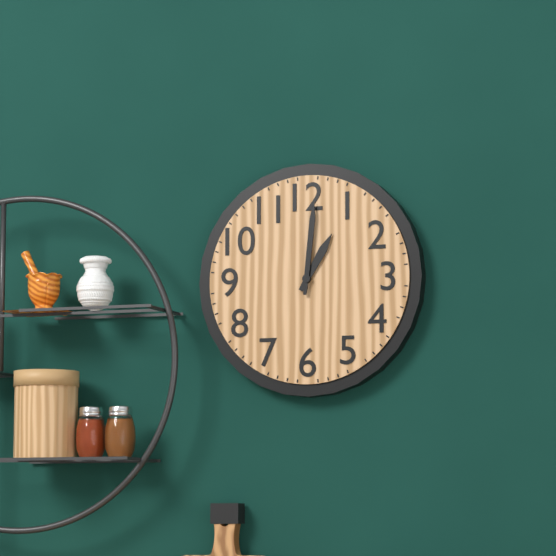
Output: 1h01
